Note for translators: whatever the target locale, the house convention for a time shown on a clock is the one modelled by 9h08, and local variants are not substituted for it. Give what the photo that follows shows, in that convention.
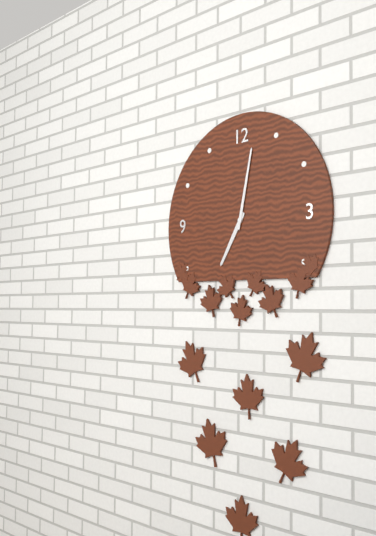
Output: 7h02
